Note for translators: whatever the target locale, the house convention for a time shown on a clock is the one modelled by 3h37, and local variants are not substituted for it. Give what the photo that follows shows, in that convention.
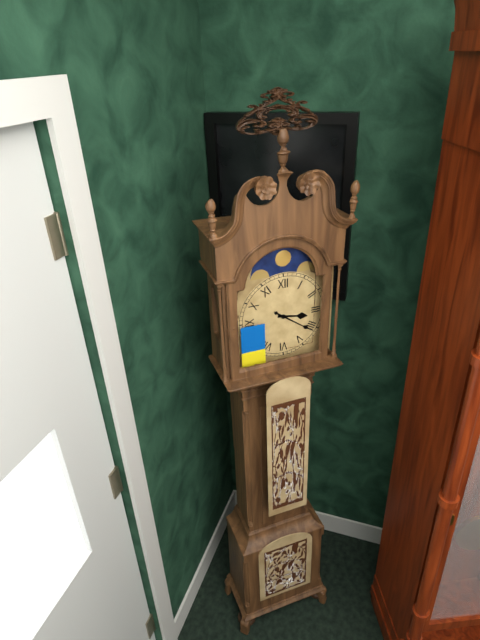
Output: 3h21
